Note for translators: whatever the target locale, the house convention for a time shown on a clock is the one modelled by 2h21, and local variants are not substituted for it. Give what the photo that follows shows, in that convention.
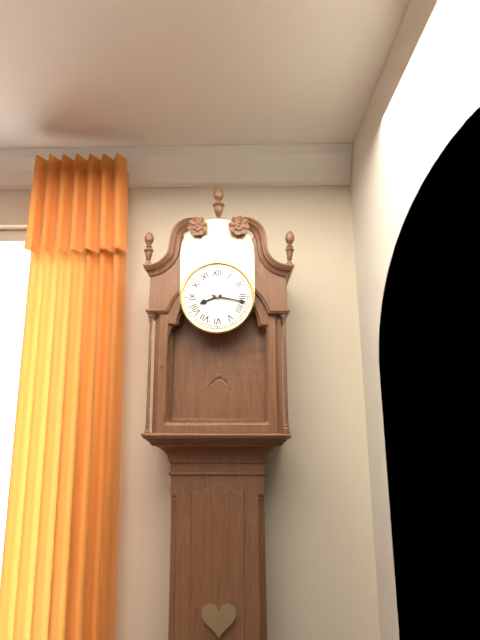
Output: 8h17
